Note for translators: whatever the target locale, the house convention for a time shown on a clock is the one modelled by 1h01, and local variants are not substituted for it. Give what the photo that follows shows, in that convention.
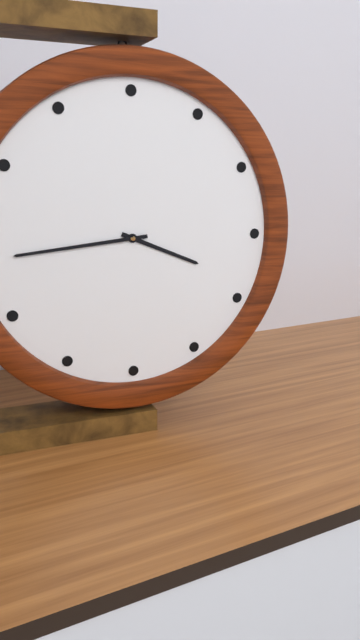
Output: 3h44
